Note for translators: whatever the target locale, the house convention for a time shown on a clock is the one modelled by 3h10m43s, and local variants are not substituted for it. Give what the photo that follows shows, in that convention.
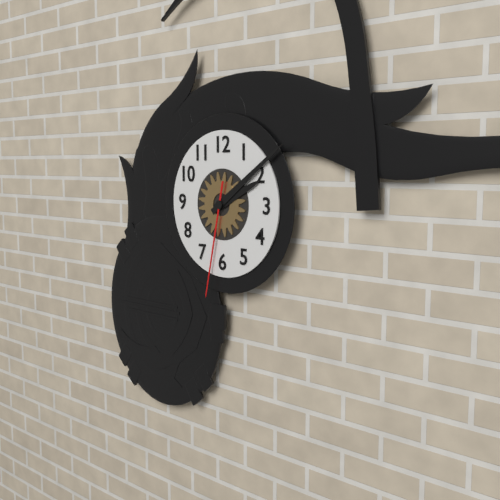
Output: 2h09m32s
